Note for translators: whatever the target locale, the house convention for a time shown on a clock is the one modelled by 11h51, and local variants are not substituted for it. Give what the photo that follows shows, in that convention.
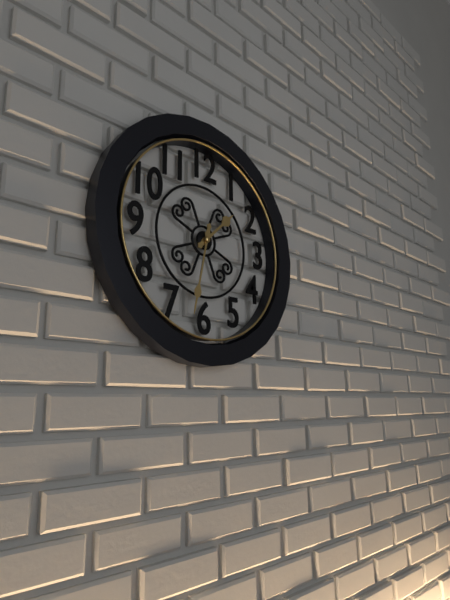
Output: 1h32
